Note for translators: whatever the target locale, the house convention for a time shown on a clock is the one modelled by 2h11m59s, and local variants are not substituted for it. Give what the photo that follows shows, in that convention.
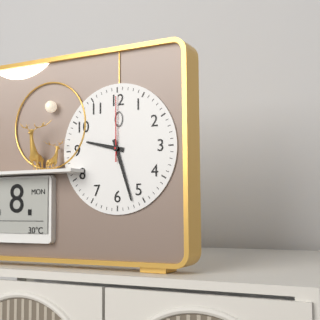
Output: 9h27m00s
